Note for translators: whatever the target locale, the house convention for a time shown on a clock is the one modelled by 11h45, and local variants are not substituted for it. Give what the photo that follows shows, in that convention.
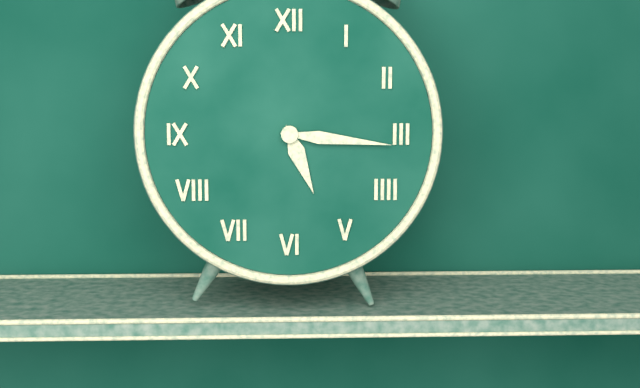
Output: 5h16
